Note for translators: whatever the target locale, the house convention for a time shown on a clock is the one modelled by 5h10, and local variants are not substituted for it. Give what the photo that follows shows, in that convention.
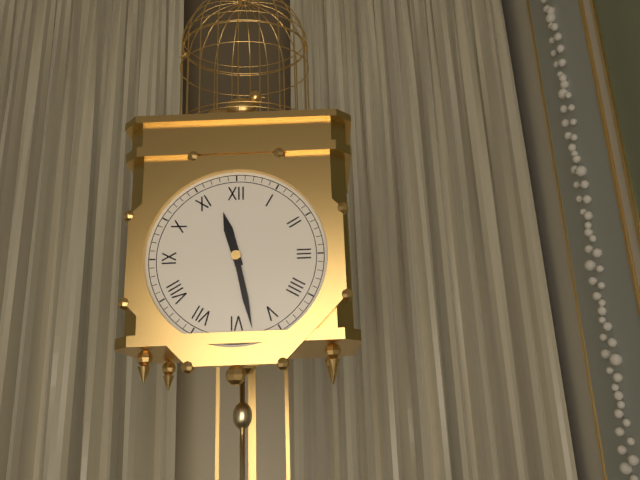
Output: 11h28
